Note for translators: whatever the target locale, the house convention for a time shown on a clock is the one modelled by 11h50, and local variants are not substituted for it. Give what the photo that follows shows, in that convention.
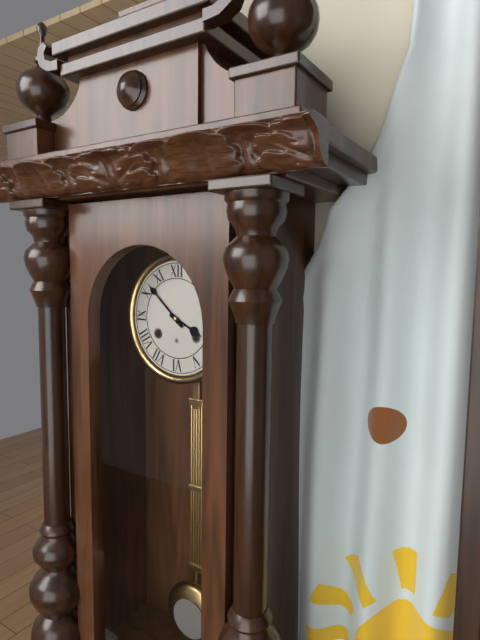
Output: 3h52
